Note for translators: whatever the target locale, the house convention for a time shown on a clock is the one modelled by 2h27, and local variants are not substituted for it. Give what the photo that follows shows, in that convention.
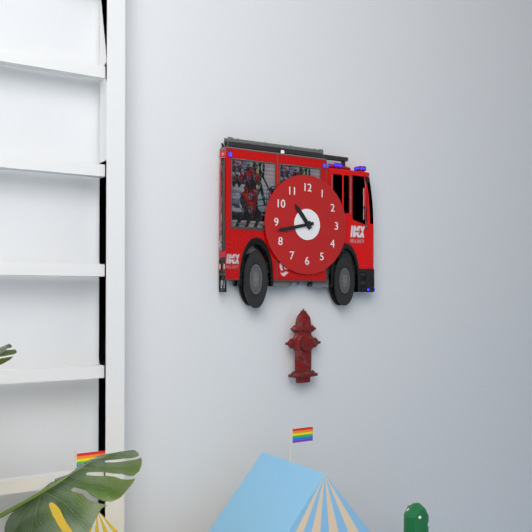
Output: 10h43
